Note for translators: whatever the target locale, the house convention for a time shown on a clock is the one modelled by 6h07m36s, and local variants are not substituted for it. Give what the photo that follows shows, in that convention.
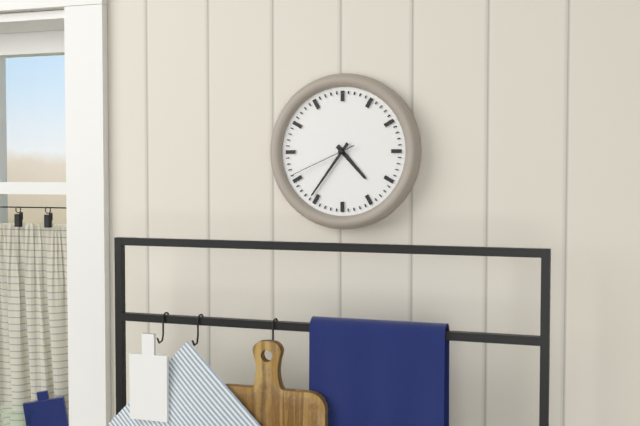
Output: 4h36m41s
